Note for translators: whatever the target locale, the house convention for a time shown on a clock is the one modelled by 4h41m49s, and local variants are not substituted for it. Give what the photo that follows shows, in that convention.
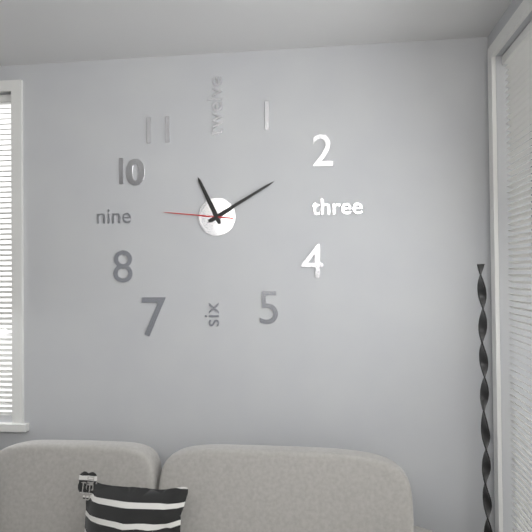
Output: 11h10m46s
